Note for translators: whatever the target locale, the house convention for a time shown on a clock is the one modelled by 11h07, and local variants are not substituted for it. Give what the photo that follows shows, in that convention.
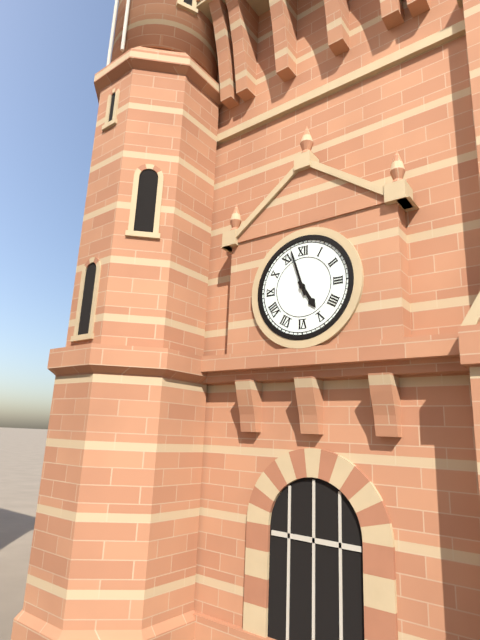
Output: 4h57
